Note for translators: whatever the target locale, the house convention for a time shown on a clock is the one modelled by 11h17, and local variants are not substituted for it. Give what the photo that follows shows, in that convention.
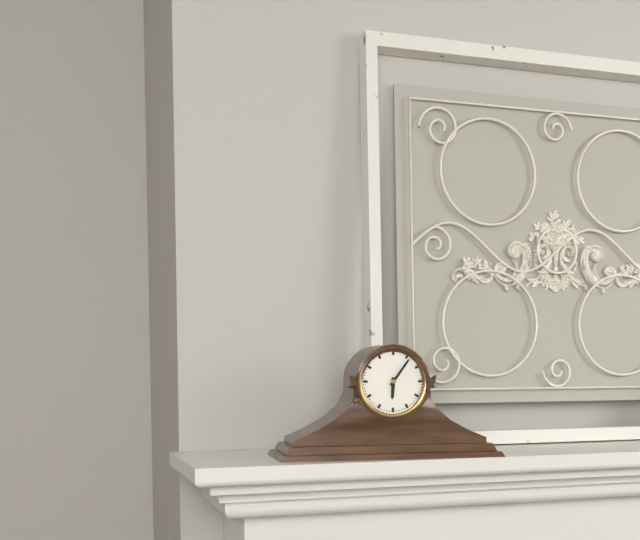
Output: 6h06
